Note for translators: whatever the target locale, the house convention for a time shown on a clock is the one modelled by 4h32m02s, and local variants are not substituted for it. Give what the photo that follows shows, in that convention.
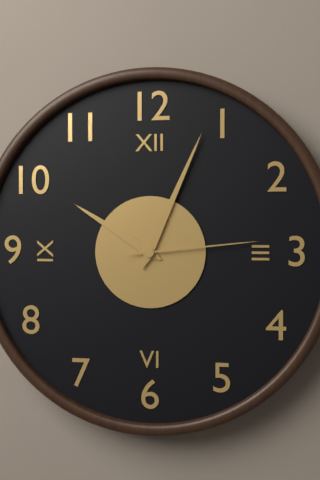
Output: 10h04m14s
